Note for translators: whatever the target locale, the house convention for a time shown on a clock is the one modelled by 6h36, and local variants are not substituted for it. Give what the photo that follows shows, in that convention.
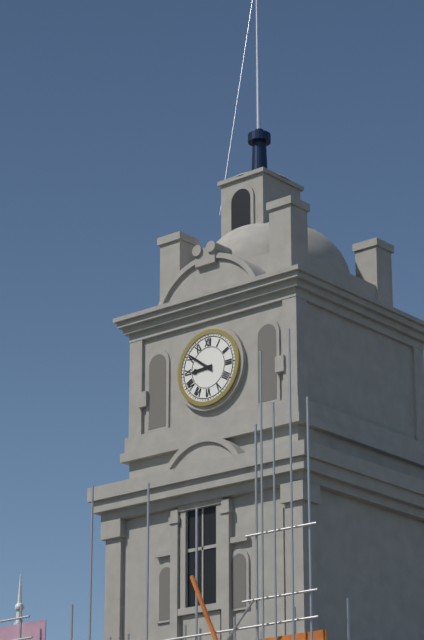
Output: 8h51
